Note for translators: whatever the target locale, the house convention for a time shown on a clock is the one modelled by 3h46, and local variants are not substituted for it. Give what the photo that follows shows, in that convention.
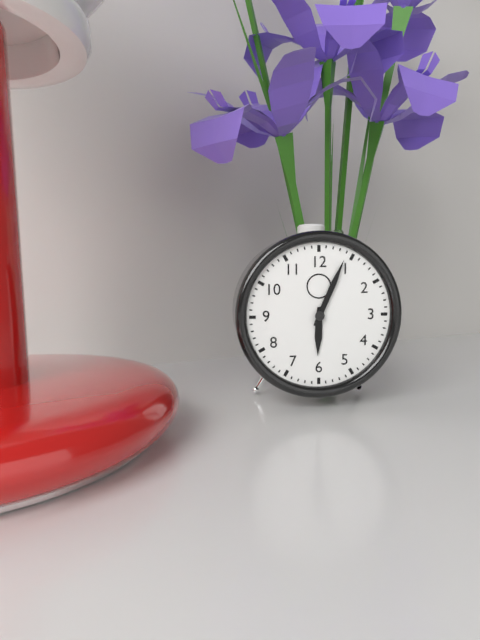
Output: 6h04
